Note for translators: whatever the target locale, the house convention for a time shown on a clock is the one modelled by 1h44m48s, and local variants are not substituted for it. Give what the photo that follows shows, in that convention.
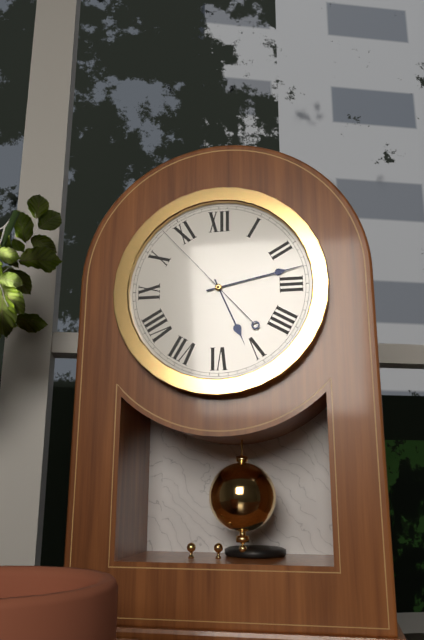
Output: 5h13m53s
